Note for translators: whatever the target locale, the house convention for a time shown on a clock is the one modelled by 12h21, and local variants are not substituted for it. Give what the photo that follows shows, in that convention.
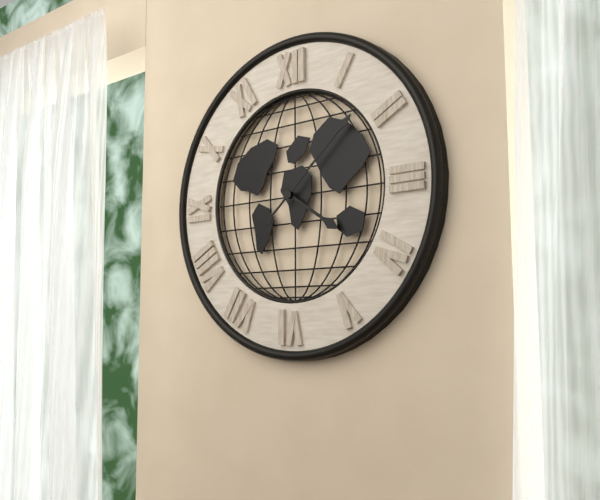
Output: 4h08
